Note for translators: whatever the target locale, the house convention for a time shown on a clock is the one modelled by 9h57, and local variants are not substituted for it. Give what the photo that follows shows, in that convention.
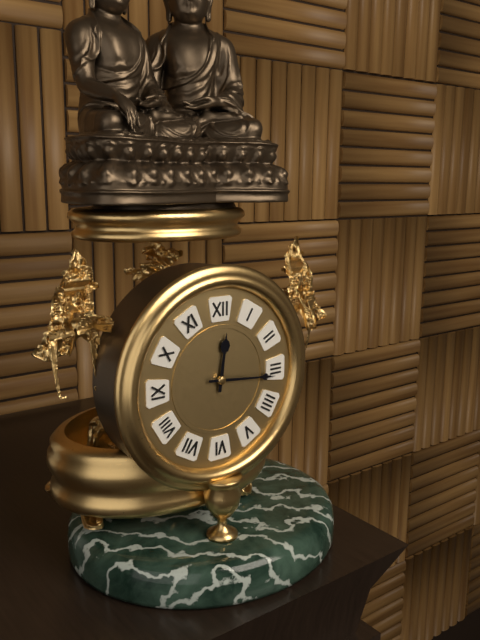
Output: 12h16
